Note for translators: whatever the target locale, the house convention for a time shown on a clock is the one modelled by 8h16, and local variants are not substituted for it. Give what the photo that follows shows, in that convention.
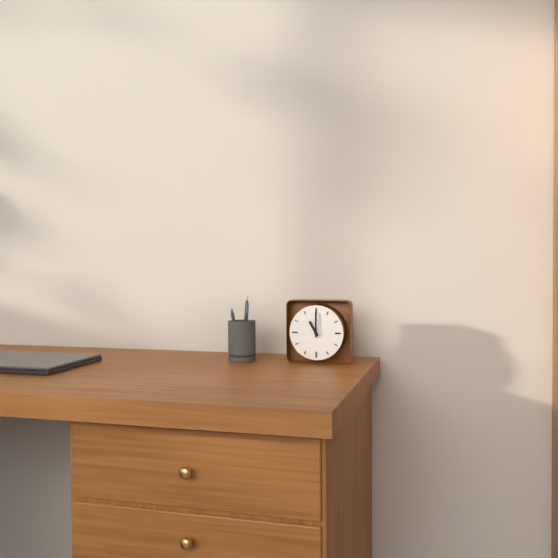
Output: 11h00
